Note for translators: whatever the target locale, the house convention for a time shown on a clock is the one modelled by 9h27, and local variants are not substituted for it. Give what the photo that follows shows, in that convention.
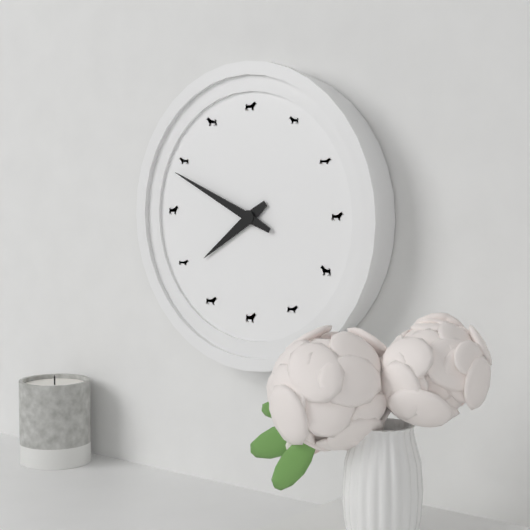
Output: 7h49
